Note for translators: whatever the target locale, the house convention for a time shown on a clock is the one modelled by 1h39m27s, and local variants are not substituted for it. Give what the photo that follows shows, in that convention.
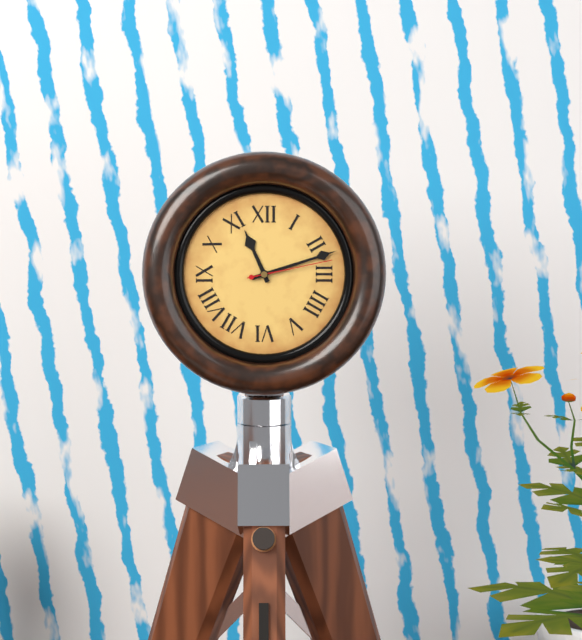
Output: 11h12m13s
